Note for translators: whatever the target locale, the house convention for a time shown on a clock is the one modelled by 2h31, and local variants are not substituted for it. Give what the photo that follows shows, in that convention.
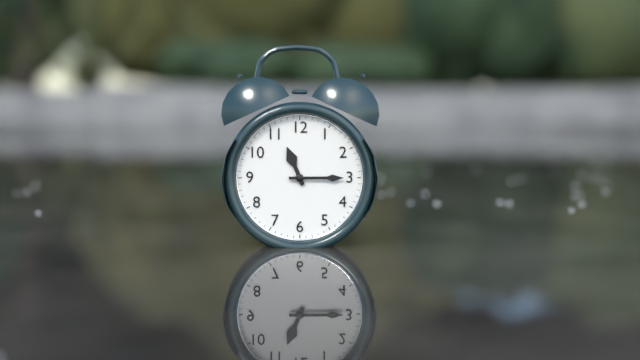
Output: 11h15
